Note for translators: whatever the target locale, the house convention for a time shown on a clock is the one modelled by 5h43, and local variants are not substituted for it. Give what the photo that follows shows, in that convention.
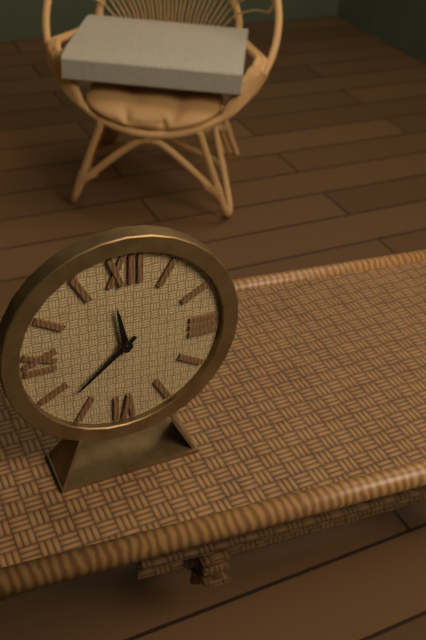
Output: 11h38
